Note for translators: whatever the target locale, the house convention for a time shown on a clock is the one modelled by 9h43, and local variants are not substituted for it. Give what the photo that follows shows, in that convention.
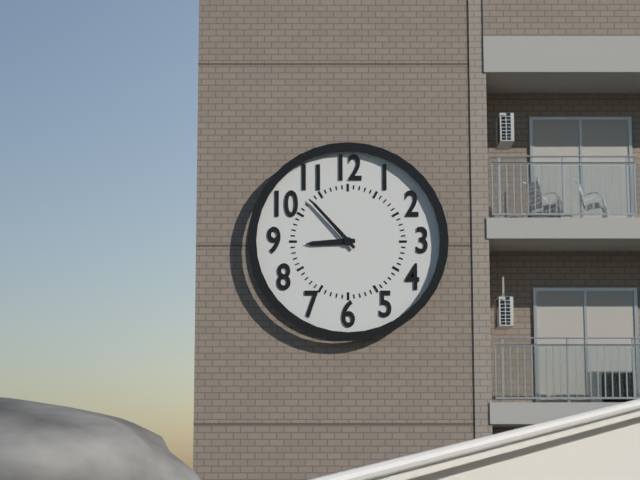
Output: 8h53
